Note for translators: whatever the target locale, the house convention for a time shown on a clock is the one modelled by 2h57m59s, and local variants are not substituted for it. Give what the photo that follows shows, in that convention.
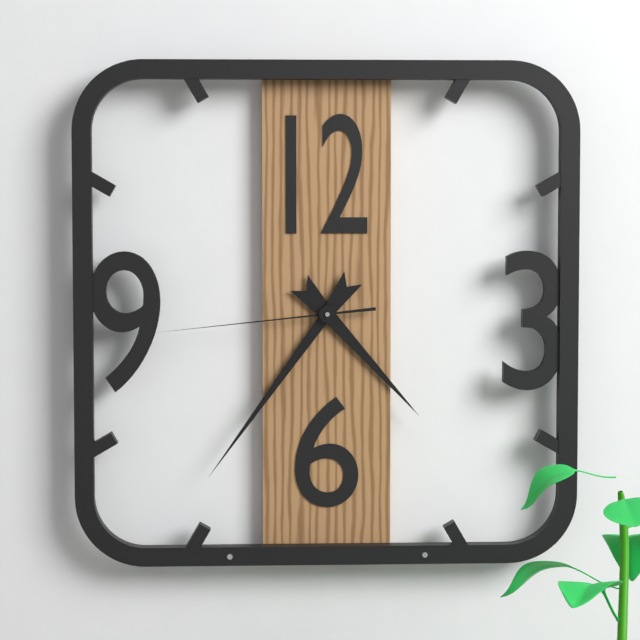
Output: 4h36m44s
